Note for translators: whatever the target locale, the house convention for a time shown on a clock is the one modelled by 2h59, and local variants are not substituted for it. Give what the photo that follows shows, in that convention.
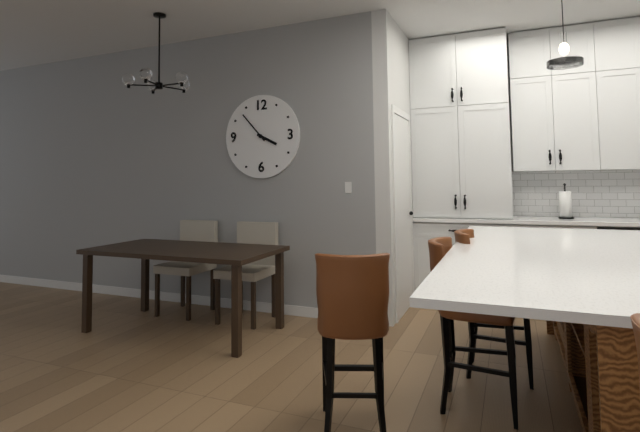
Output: 3h53
